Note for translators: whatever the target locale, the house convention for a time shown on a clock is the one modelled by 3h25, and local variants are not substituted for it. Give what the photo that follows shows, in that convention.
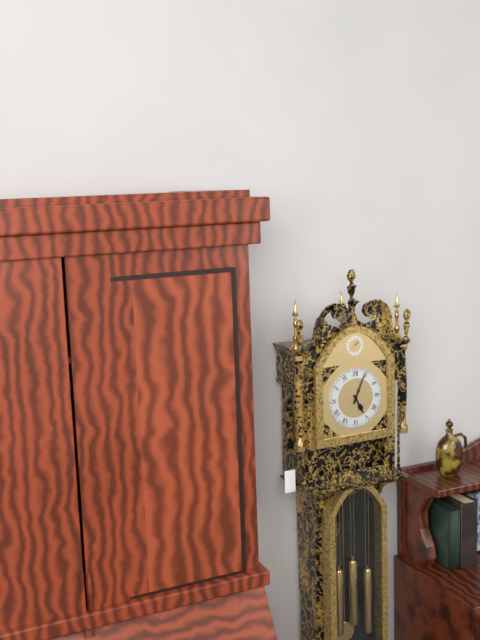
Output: 5h04
